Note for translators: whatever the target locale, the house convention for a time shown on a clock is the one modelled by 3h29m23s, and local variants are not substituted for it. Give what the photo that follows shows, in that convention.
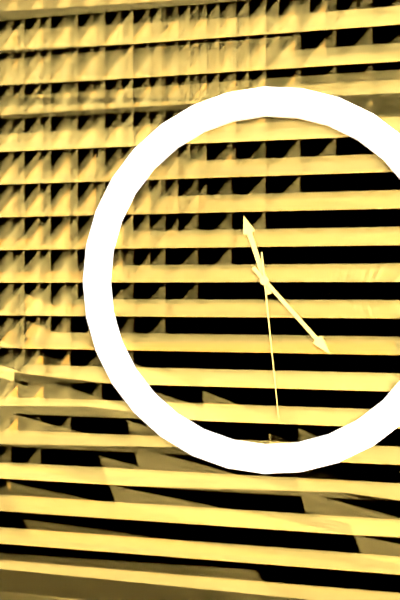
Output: 11h23m29s
